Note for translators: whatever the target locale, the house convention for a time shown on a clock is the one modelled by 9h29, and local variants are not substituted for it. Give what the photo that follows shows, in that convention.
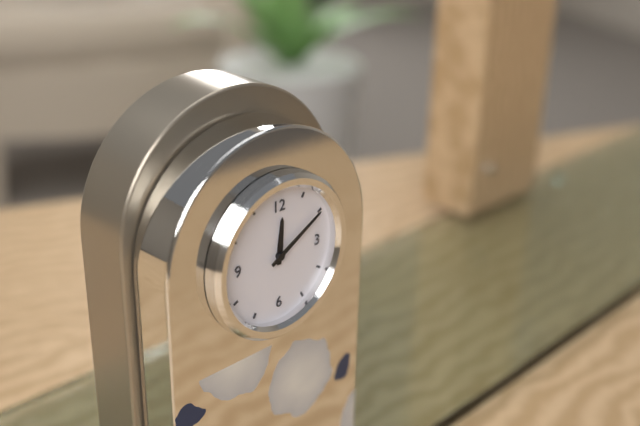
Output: 12h10
